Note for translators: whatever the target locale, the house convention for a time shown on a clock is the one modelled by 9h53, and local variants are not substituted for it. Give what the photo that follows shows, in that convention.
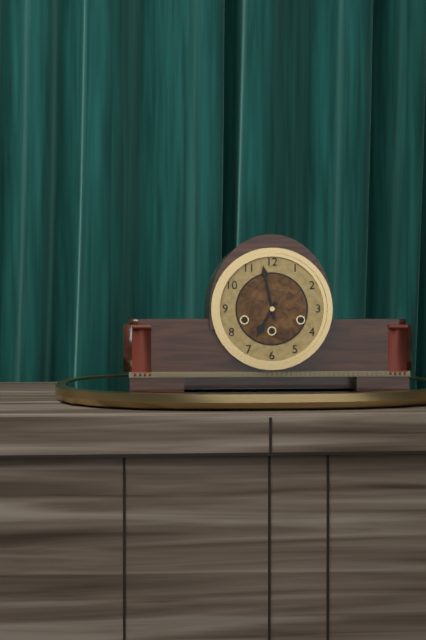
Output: 6h58
